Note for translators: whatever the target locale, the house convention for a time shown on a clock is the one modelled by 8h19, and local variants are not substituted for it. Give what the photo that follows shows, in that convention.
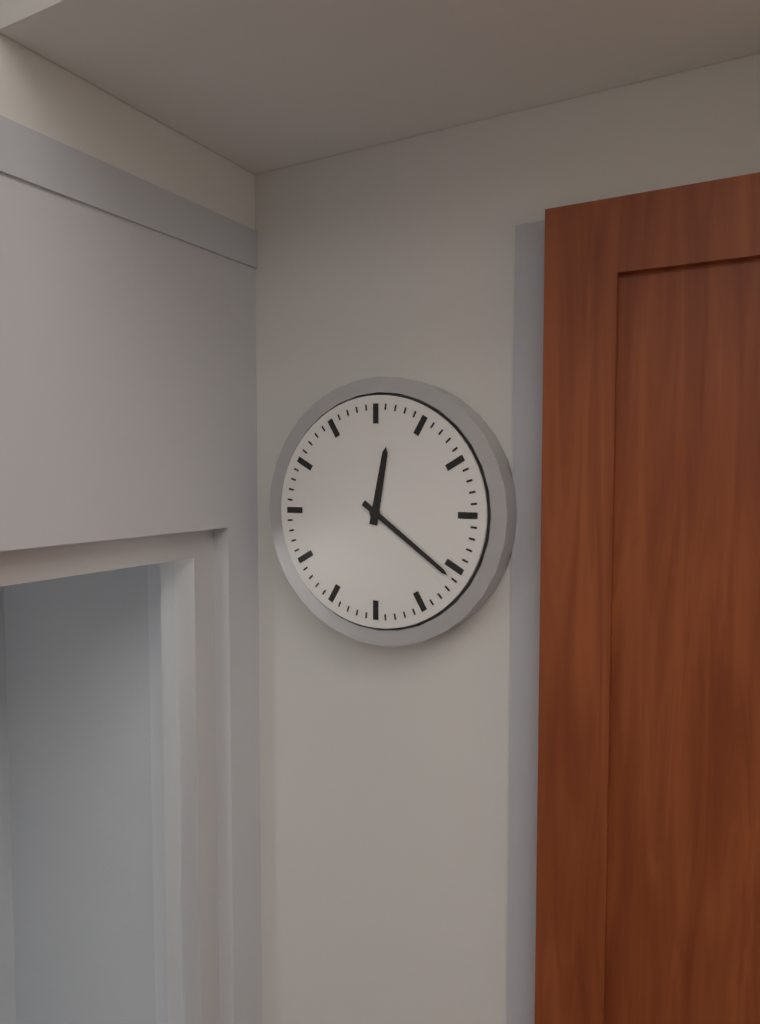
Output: 12h21
